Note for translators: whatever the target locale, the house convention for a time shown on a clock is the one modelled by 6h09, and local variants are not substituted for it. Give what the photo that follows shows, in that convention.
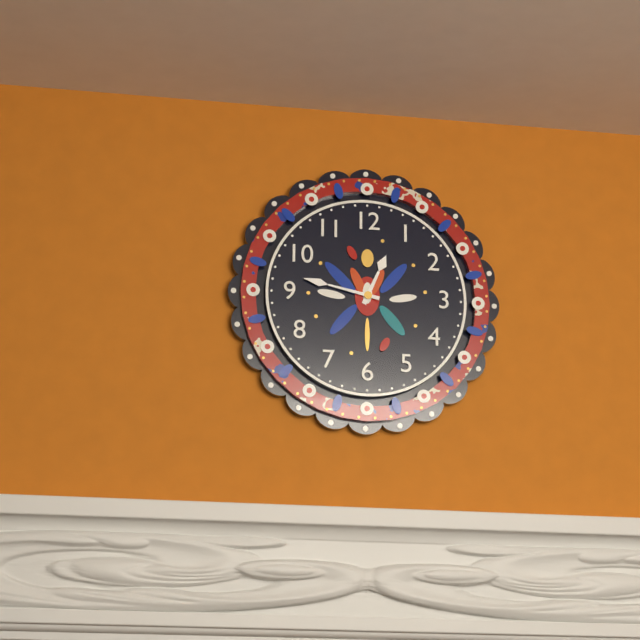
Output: 12h47
